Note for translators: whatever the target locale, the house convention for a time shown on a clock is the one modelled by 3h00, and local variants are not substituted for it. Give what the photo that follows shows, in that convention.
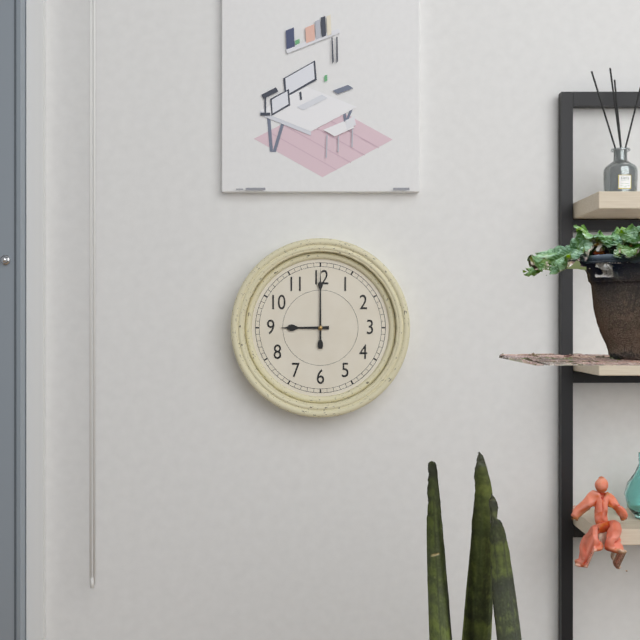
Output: 9h00
